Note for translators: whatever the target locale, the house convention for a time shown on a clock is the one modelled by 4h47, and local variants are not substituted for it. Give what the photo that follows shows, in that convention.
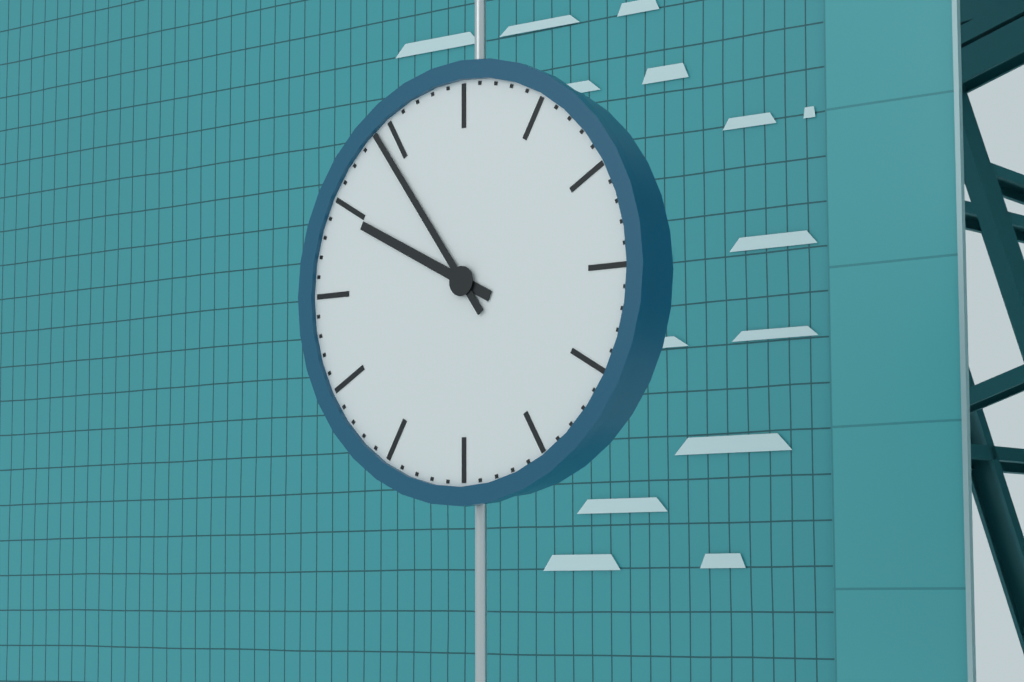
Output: 9h54
